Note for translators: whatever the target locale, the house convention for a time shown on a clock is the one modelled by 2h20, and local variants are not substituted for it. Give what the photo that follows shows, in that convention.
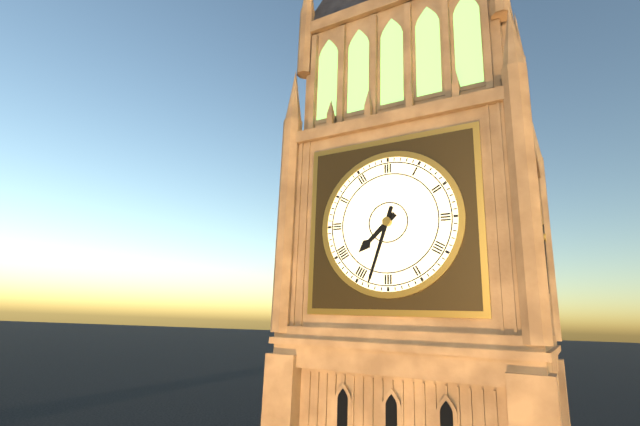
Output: 7h33
